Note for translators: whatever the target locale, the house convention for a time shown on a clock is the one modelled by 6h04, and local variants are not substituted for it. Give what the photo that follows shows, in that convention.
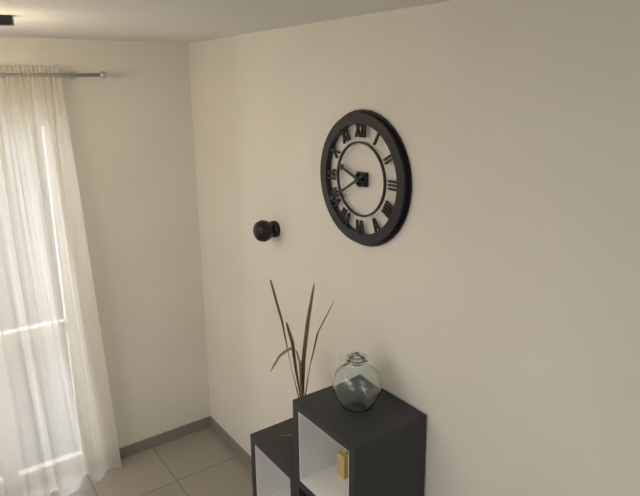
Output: 9h40
